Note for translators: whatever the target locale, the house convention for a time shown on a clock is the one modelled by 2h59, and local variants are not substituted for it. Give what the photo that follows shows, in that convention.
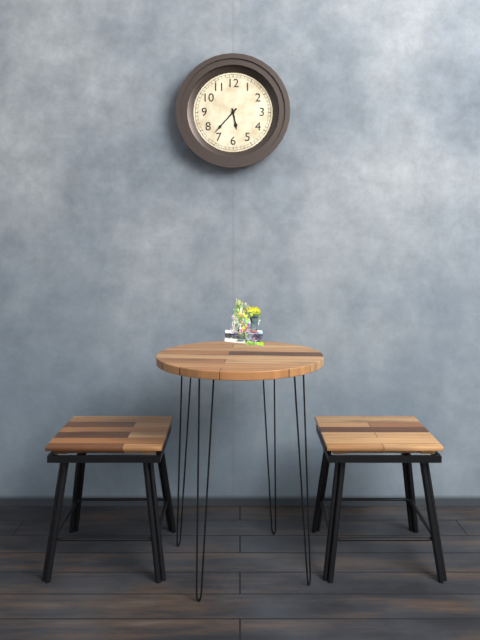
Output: 5h37
